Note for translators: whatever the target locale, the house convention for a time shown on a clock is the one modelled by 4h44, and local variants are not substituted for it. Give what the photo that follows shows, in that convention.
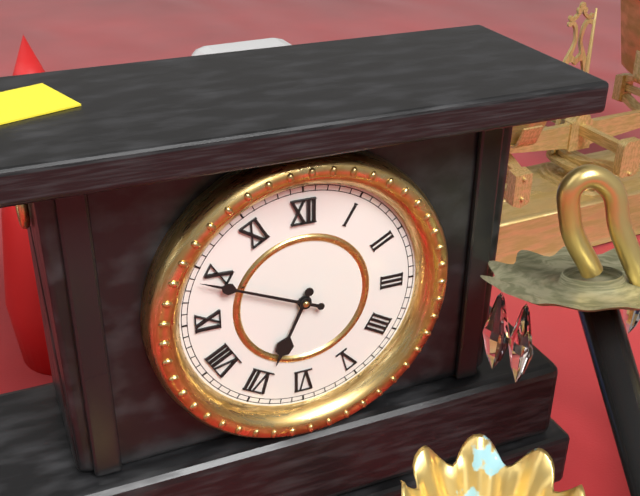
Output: 6h49
